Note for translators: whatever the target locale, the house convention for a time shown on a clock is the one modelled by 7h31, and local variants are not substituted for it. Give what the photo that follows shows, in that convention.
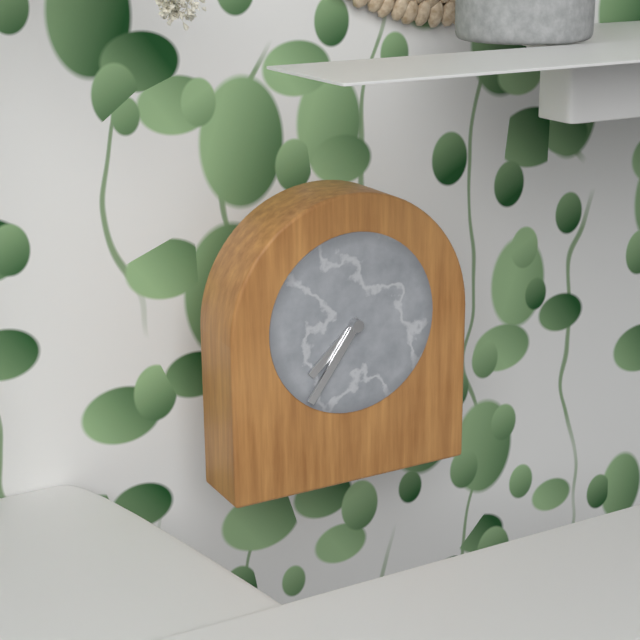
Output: 7h36
